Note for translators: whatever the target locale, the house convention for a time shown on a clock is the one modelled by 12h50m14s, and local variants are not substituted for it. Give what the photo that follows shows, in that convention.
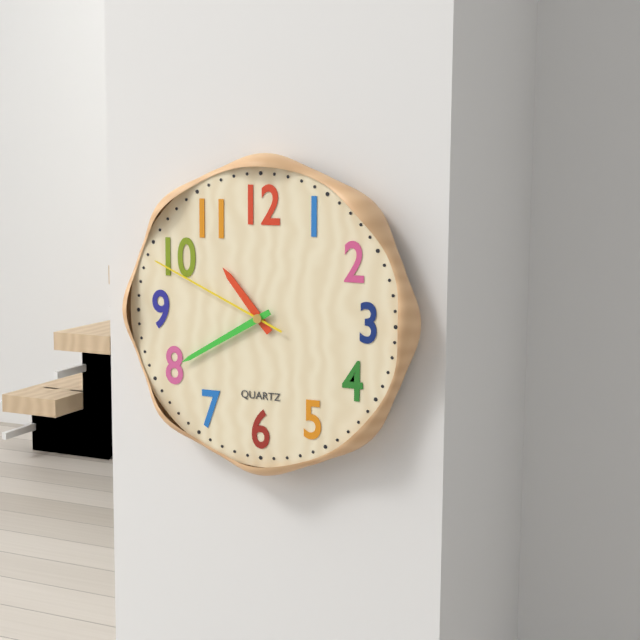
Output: 10h40m49s
